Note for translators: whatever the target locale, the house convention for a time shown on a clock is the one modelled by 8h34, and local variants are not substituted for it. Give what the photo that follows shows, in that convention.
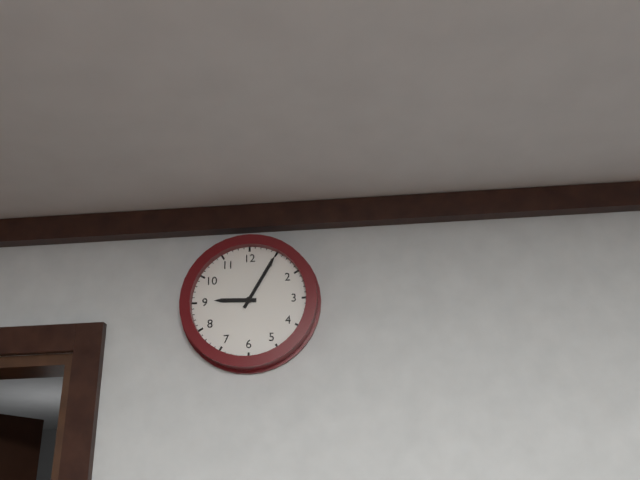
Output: 9h05
